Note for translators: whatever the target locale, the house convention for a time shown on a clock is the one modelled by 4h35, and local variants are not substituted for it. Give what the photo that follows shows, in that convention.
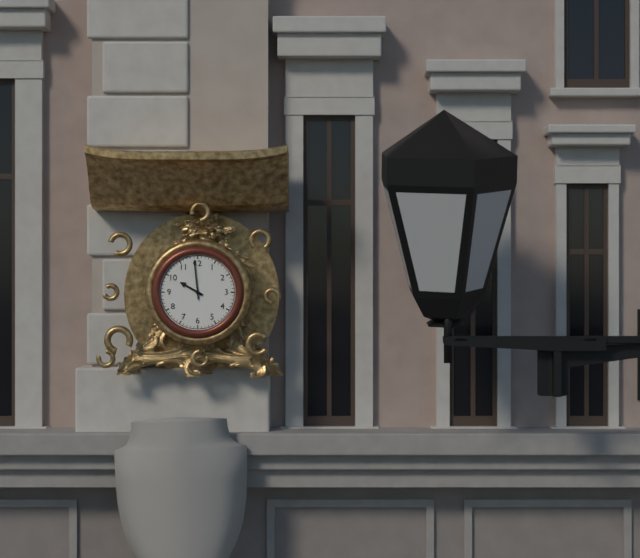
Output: 9h59
